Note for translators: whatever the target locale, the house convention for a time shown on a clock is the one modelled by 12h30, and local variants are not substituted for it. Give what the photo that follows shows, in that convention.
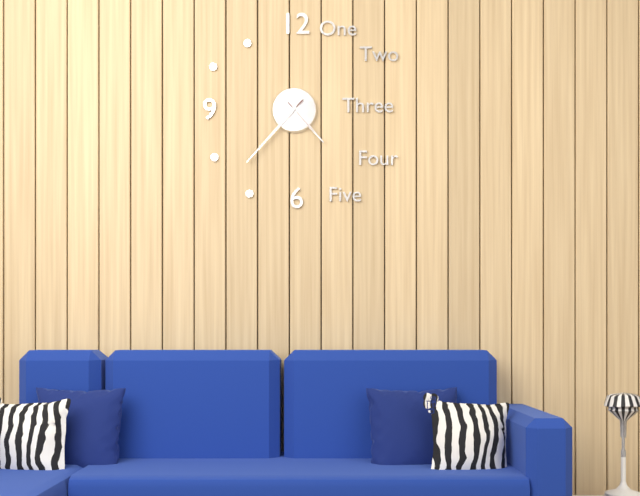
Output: 4h37
